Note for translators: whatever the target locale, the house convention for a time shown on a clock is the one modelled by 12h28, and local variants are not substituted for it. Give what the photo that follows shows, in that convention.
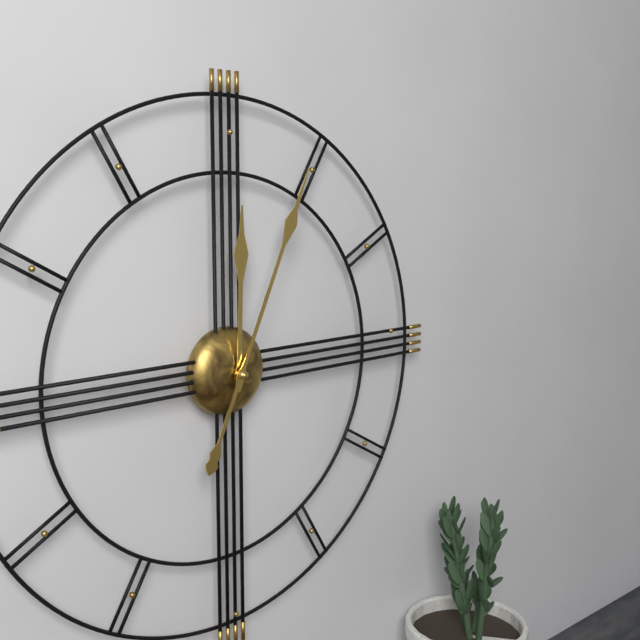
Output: 12h04
